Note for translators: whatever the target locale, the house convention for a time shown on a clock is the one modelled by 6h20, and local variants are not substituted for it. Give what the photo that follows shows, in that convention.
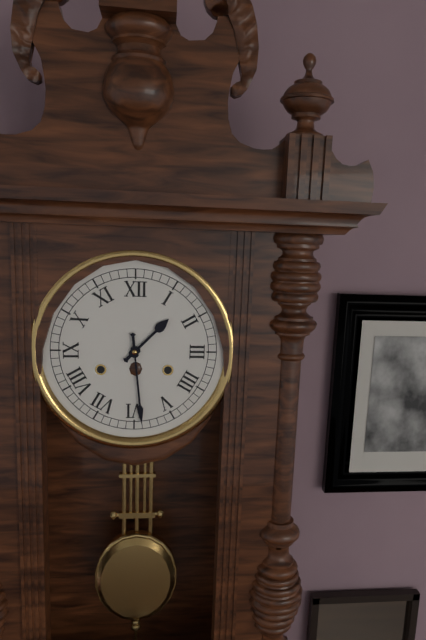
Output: 1h29
